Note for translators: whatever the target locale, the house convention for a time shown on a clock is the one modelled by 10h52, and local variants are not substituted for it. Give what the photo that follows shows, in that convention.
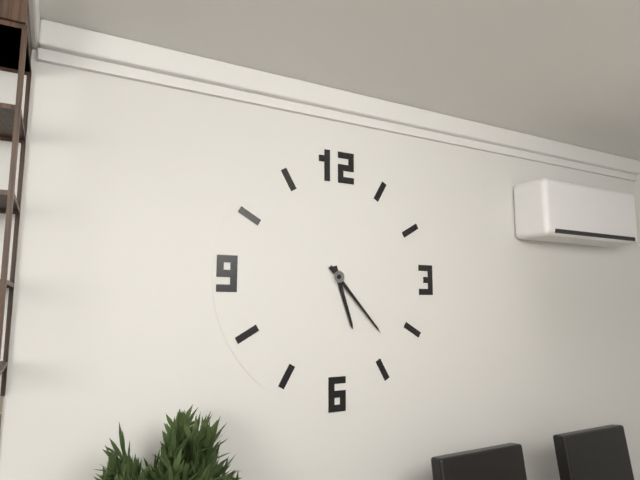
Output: 5h23
